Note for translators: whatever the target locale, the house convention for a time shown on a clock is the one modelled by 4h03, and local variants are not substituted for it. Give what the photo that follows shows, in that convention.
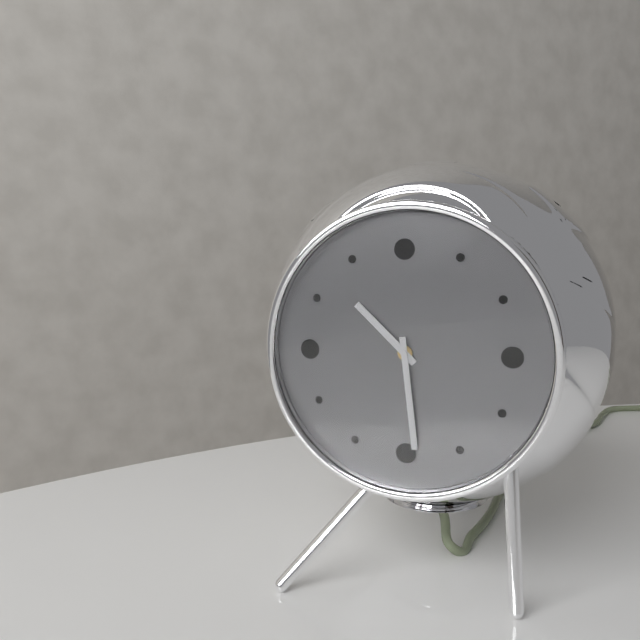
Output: 10h29
